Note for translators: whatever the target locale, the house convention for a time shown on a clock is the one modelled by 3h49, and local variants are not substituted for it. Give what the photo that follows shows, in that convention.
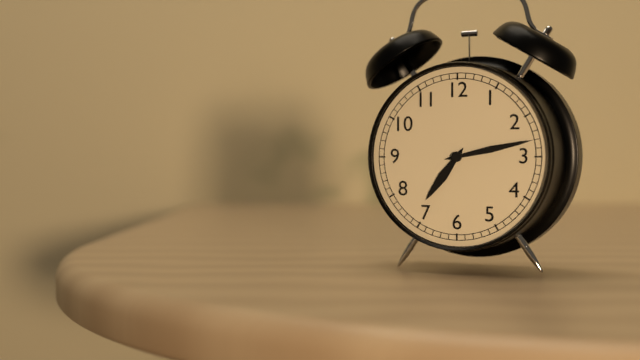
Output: 7h13
